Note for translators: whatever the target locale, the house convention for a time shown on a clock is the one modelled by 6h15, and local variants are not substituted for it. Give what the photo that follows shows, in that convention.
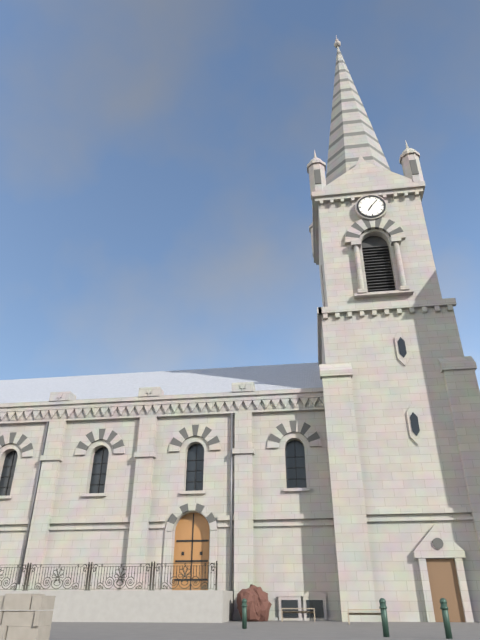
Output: 7h07
